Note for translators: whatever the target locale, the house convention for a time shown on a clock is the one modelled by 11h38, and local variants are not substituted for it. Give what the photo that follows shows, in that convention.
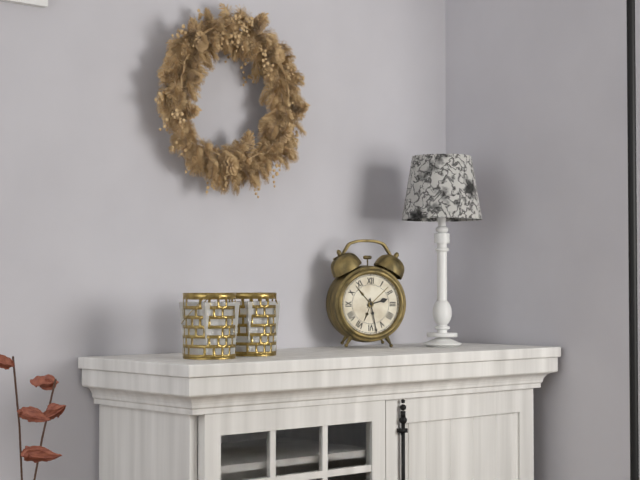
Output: 2h28
